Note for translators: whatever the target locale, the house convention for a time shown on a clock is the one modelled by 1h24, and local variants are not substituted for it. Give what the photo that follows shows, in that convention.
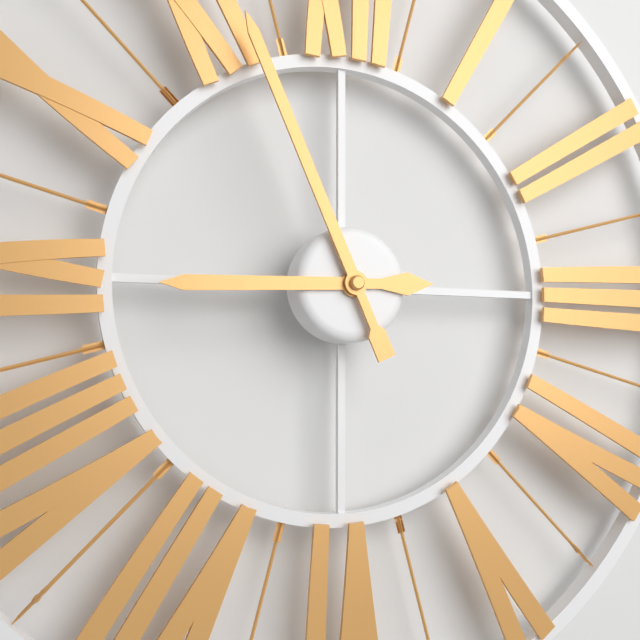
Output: 8h56
